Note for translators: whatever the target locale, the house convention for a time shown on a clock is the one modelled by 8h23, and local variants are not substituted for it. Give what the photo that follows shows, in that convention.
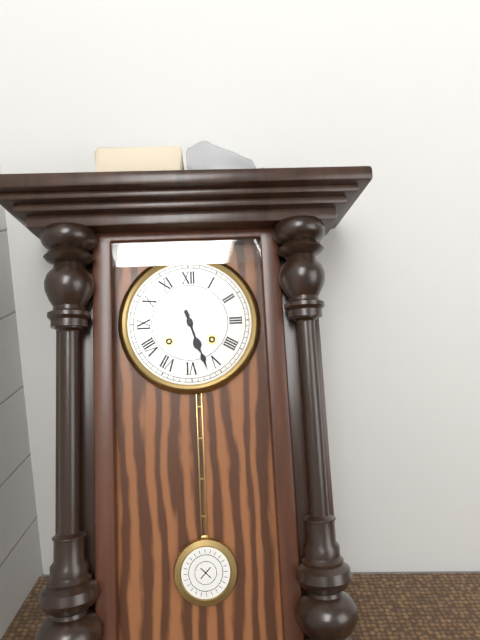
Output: 5h27
